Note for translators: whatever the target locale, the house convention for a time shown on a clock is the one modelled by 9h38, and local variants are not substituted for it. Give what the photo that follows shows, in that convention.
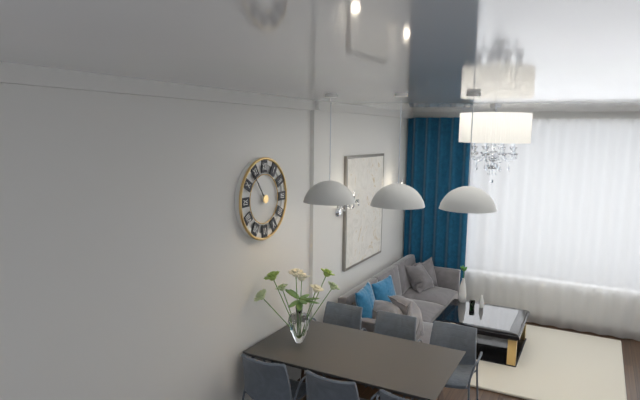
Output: 10h54
